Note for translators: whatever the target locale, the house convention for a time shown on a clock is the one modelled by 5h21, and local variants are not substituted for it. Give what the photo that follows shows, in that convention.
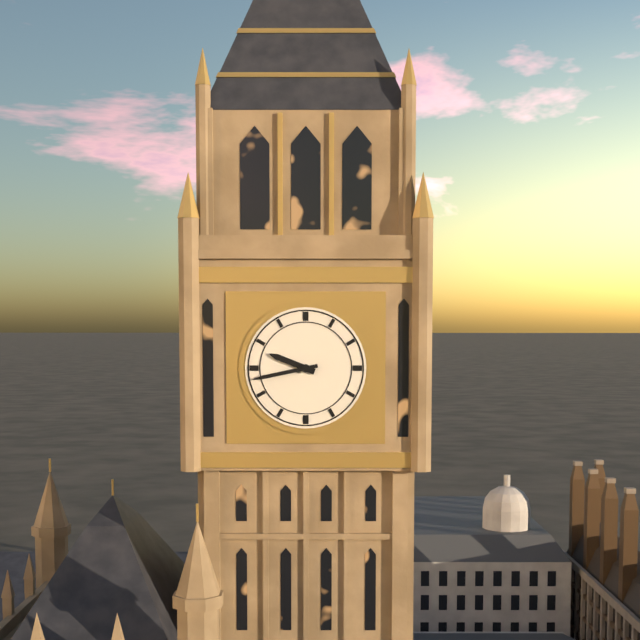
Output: 9h43
